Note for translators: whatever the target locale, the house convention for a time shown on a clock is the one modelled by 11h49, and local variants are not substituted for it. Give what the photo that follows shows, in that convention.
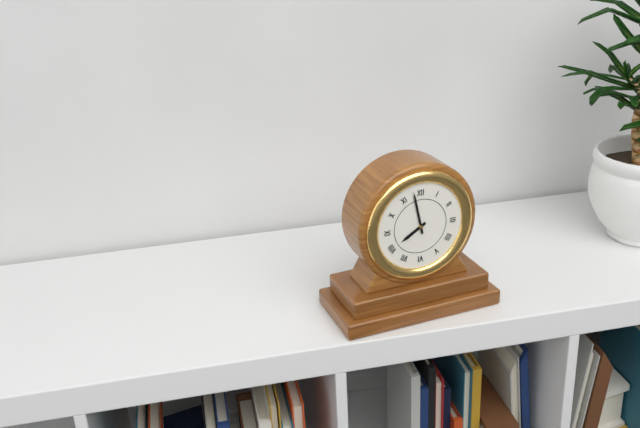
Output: 7h58
